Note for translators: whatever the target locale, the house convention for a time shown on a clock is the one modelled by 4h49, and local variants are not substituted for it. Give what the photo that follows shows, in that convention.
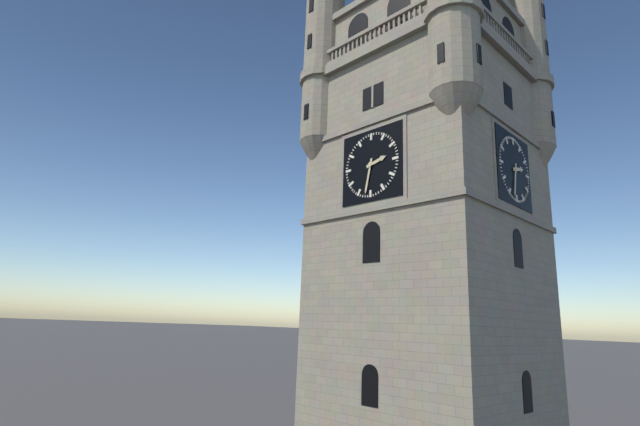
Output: 2h32
